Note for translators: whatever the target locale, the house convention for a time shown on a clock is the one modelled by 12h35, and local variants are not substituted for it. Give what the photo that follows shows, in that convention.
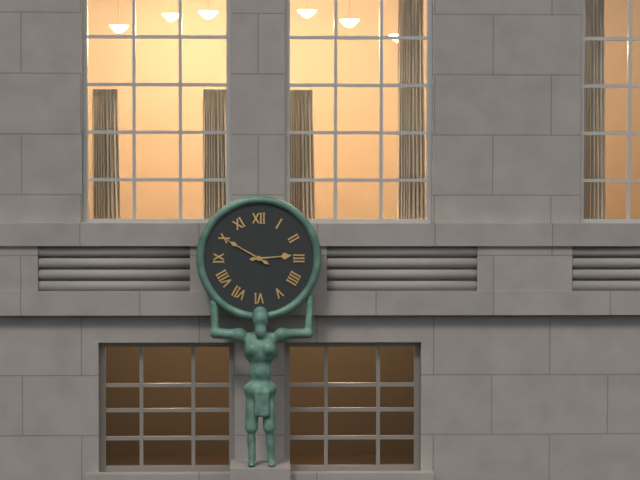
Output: 2h50
